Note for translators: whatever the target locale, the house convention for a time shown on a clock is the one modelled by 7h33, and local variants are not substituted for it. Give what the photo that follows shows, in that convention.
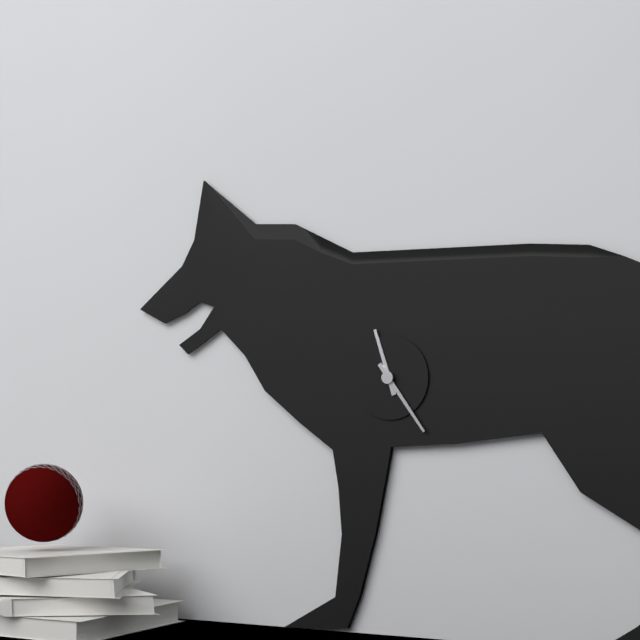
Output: 11h24
